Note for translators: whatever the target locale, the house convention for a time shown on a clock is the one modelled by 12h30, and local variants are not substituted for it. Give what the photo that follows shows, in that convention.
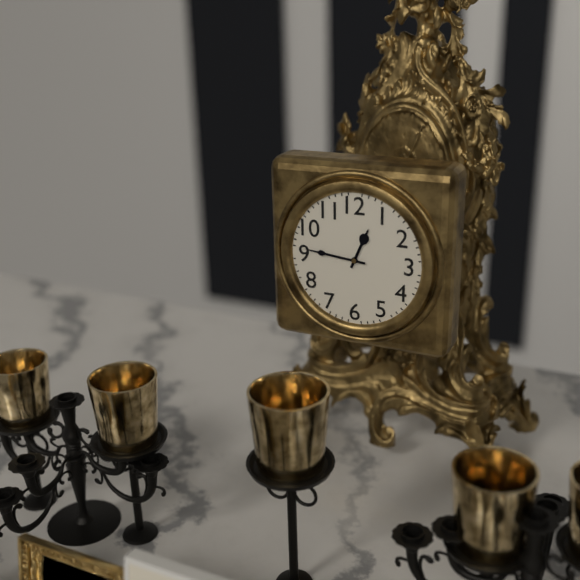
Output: 12h46
